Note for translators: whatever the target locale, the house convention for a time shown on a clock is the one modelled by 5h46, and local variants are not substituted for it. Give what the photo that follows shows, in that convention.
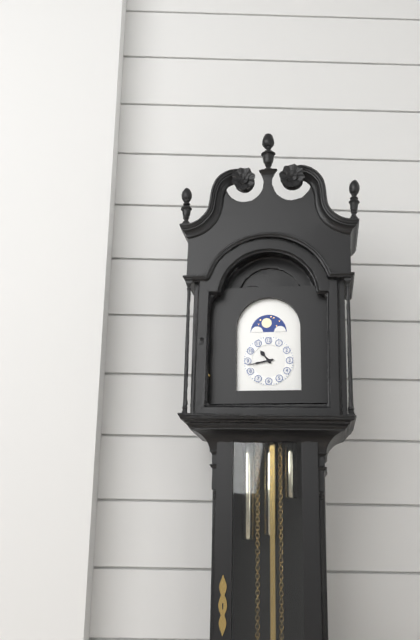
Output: 10h43
